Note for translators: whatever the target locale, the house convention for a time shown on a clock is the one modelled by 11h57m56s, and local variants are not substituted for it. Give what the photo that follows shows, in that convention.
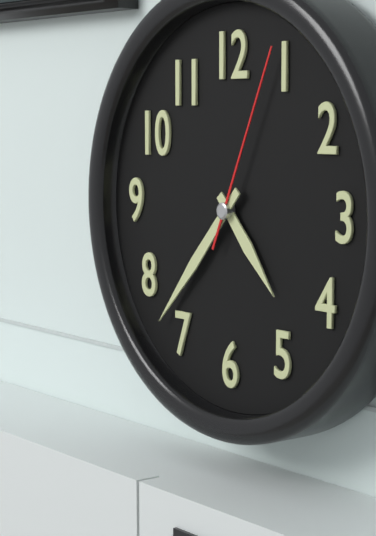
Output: 4h37m04s
